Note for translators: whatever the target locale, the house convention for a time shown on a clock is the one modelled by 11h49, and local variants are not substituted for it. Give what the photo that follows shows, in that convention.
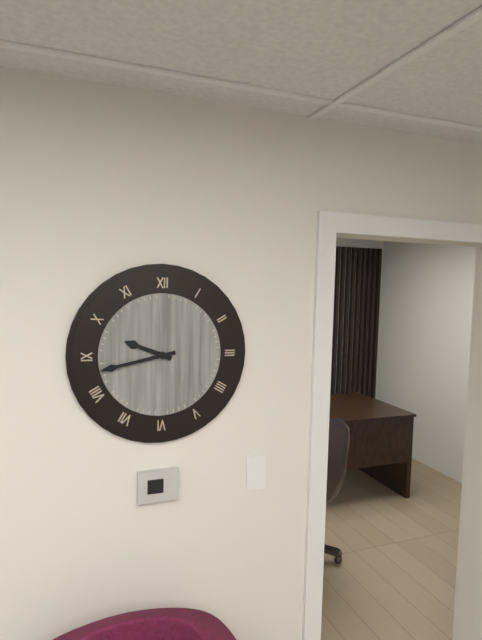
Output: 9h43
